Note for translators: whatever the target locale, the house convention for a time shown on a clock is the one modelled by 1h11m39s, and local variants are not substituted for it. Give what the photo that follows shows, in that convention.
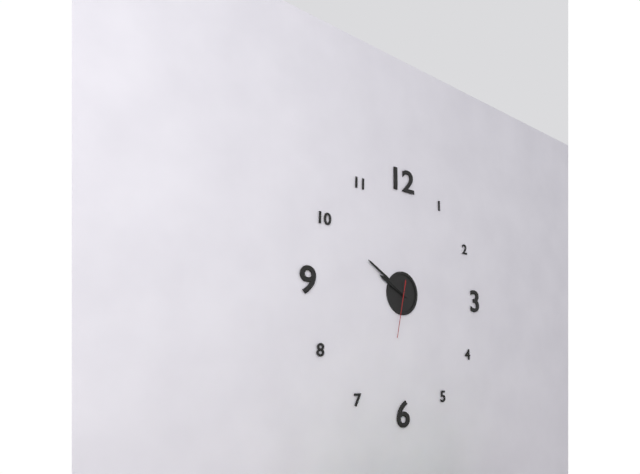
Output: 9h50m32s
